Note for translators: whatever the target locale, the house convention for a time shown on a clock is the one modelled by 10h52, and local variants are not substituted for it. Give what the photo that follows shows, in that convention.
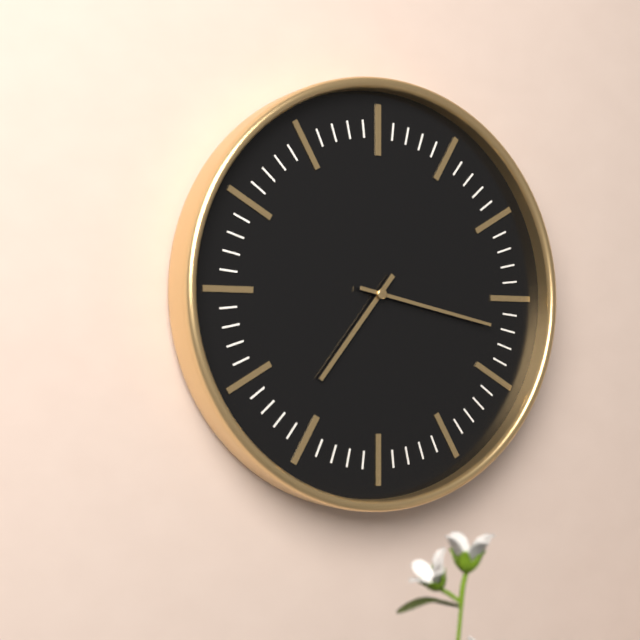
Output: 7h17
